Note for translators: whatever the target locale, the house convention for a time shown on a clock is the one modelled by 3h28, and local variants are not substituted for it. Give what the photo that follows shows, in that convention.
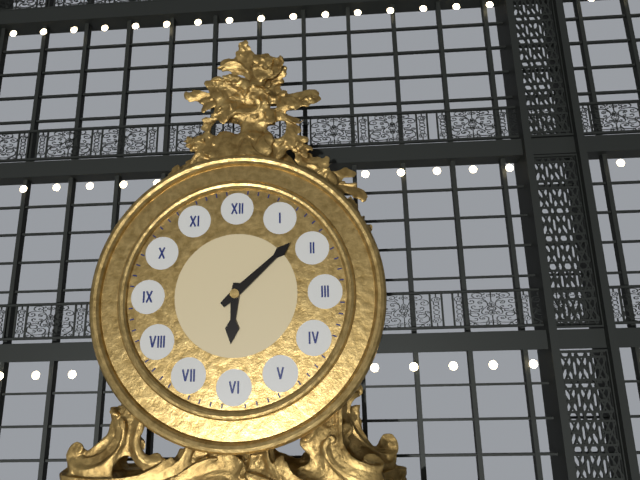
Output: 6h08
